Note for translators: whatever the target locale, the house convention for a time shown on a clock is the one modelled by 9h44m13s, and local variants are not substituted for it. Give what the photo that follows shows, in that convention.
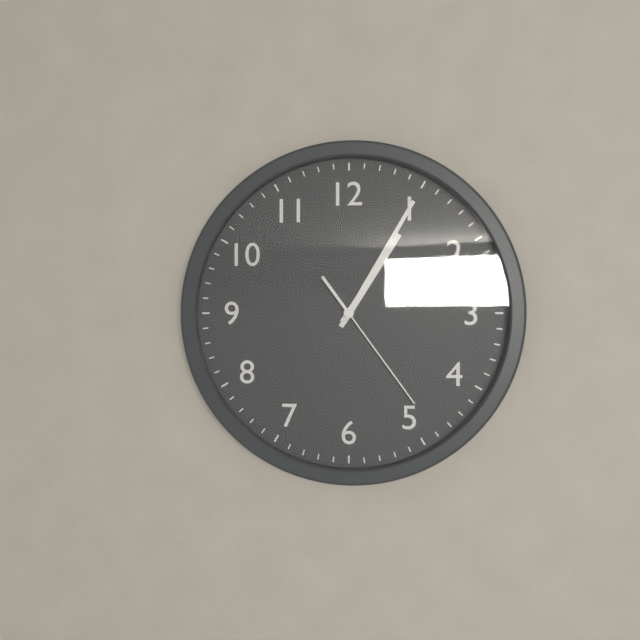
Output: 1h05m24s
